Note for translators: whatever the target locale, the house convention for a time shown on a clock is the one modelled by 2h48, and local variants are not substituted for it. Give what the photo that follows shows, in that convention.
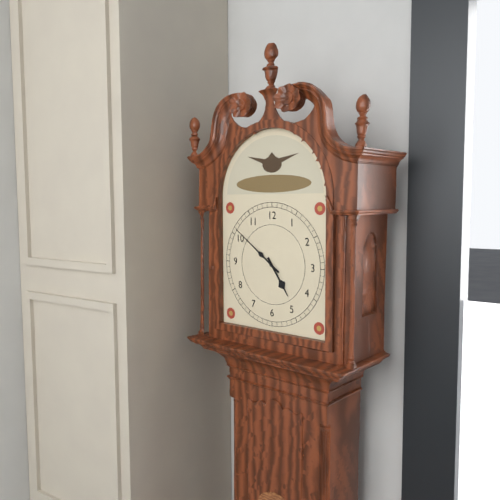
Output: 4h51
